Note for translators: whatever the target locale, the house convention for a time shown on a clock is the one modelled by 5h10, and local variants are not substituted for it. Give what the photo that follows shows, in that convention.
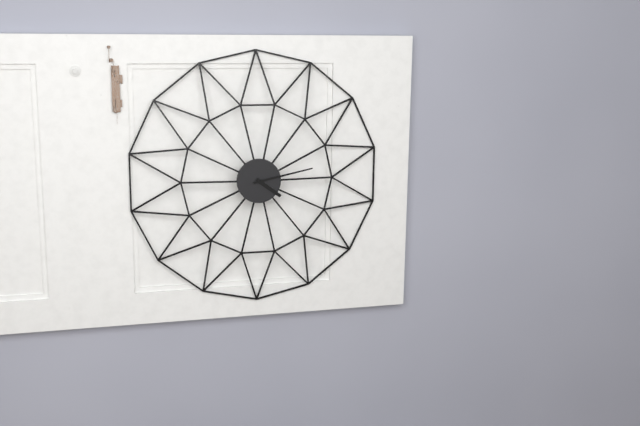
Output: 4h13
